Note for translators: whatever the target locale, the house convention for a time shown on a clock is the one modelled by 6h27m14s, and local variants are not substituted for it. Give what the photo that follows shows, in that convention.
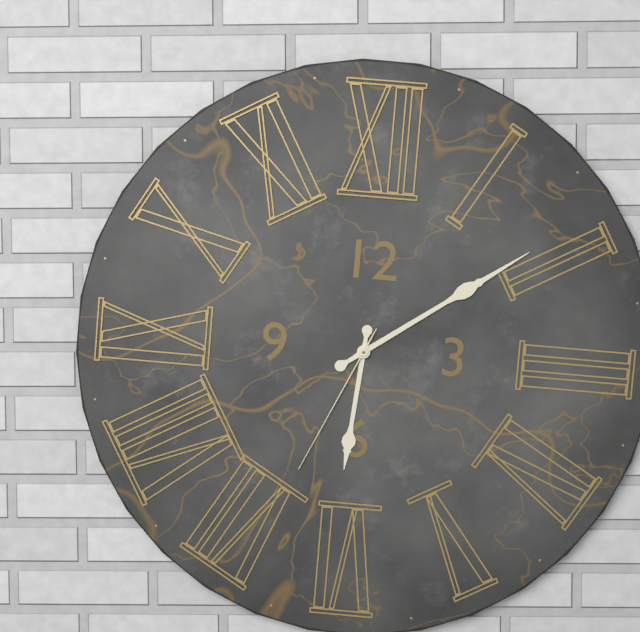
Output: 6h09m34s
